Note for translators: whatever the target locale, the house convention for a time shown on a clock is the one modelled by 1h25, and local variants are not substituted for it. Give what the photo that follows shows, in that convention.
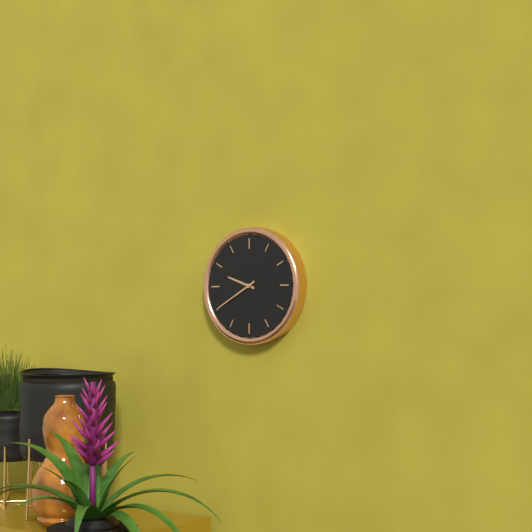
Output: 9h40
